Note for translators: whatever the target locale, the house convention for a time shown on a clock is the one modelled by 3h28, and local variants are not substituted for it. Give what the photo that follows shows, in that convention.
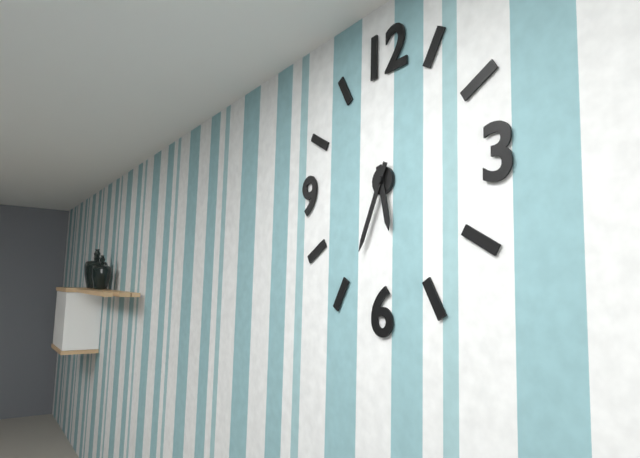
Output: 5h34
